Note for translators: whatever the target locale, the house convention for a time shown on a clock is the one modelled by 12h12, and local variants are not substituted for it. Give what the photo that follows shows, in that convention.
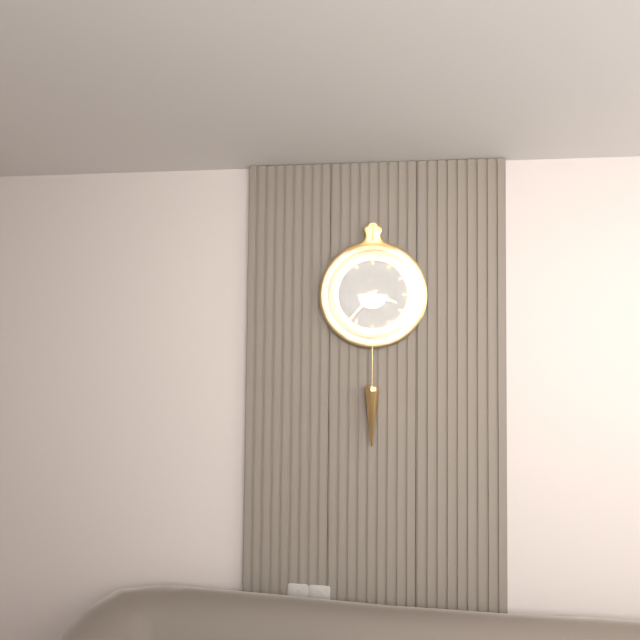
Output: 3h37
